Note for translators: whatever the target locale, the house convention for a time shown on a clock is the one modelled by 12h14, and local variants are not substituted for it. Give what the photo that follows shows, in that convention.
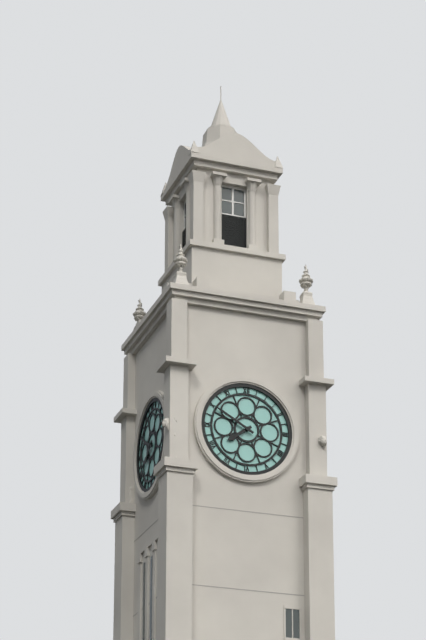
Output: 7h50
